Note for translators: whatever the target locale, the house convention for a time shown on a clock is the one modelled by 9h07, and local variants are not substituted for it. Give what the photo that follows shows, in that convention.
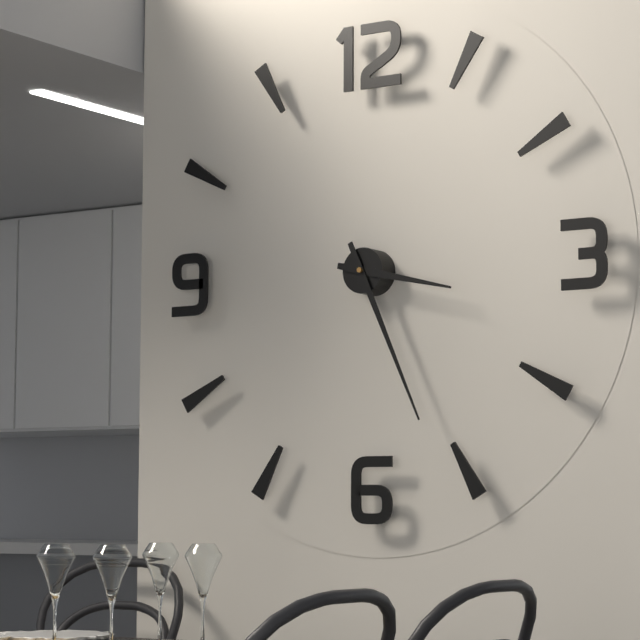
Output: 3h26
